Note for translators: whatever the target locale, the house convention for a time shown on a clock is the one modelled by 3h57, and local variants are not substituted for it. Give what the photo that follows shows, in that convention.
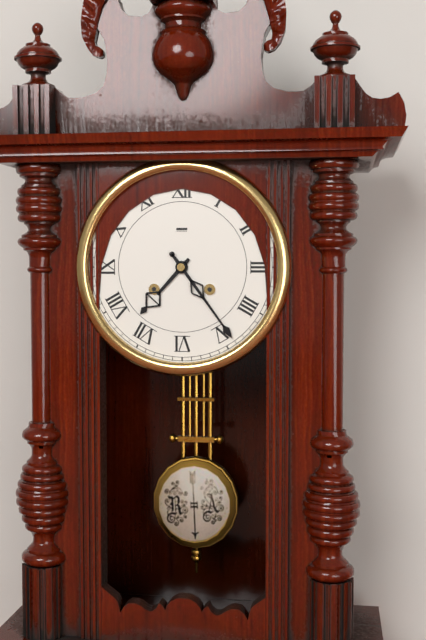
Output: 7h24
